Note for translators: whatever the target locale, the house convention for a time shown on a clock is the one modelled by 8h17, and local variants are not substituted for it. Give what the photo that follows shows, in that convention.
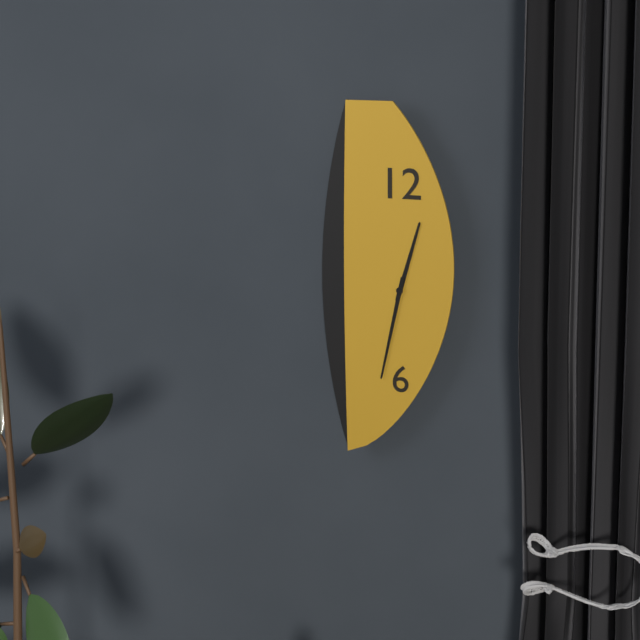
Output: 12h32
